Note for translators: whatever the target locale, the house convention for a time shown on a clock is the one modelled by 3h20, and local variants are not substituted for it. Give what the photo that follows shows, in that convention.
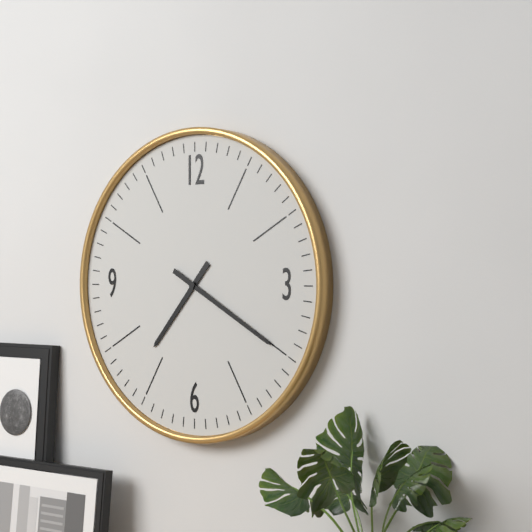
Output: 7h20
